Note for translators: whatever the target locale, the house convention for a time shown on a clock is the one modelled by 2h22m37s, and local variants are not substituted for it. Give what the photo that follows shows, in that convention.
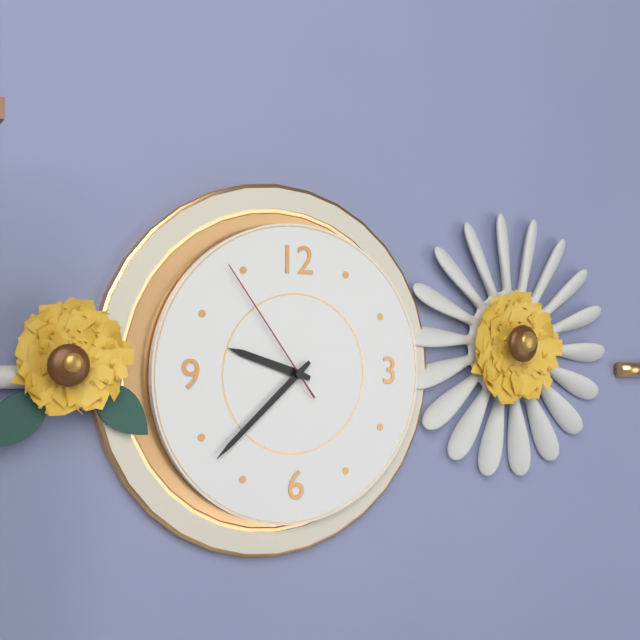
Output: 9h38m54s
